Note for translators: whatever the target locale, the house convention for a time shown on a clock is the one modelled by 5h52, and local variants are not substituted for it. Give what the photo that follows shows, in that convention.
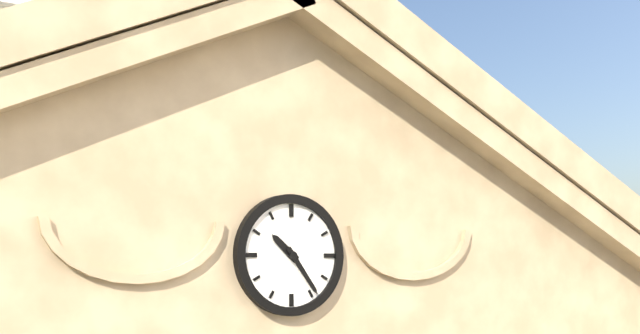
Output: 10h24
